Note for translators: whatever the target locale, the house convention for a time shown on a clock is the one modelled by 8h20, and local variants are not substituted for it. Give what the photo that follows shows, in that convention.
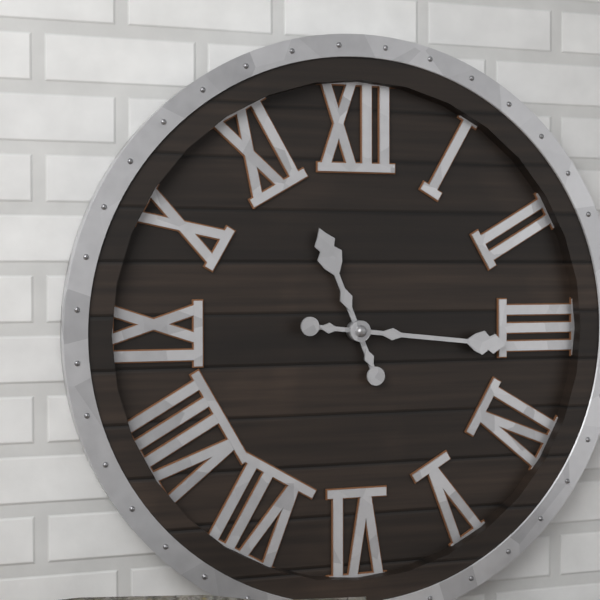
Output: 11h16
